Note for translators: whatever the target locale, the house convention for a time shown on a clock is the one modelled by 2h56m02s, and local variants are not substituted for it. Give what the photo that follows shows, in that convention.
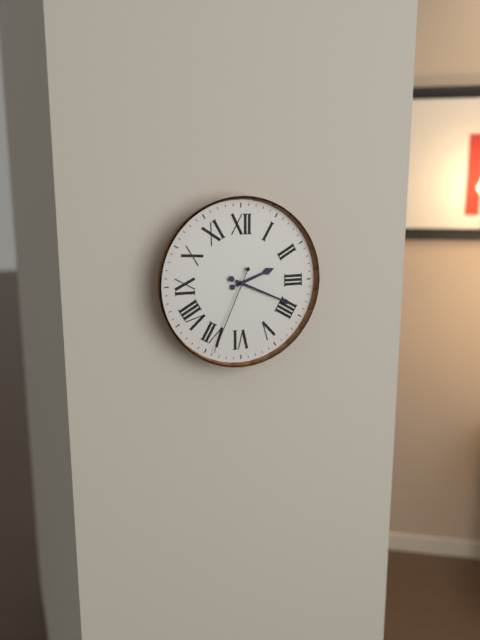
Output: 2h19m34s
